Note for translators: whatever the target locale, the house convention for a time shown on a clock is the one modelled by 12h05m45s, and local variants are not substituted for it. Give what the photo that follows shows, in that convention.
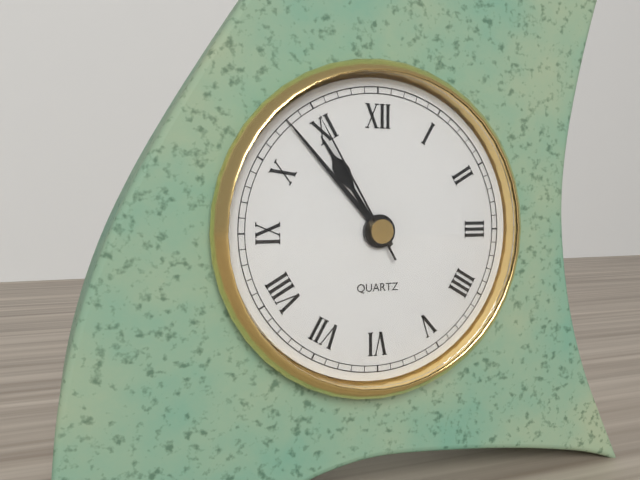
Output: 10h53m55s
